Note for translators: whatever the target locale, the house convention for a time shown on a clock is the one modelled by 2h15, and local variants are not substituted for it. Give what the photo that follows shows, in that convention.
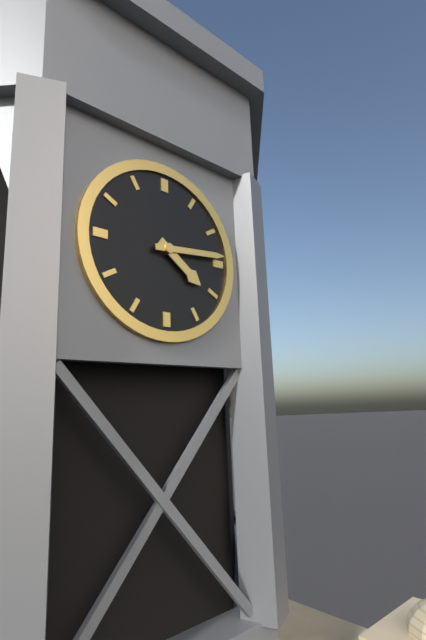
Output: 4h14
